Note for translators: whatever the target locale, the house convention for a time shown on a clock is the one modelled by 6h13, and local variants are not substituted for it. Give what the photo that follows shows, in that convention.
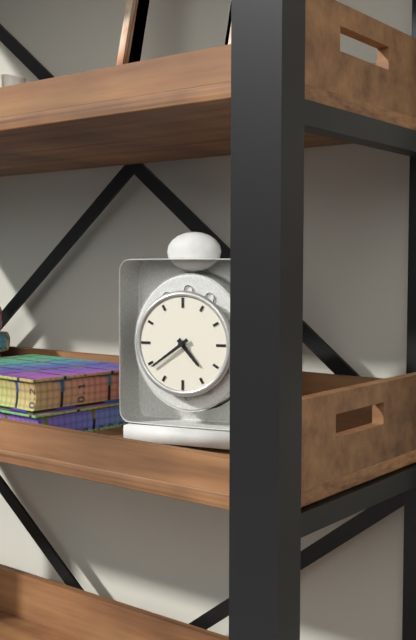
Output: 4h39
